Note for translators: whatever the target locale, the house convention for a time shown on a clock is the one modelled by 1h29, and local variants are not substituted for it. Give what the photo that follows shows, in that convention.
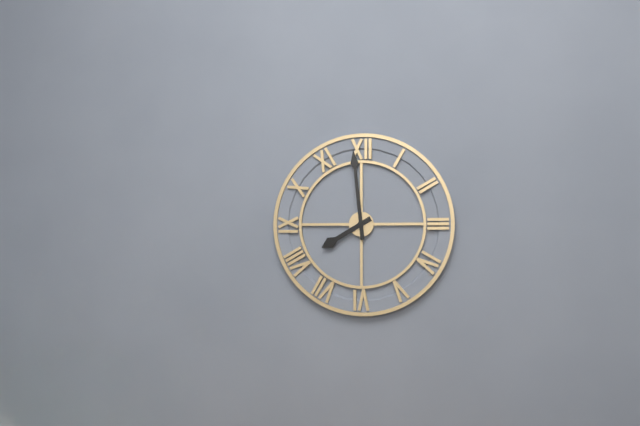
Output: 7h59
